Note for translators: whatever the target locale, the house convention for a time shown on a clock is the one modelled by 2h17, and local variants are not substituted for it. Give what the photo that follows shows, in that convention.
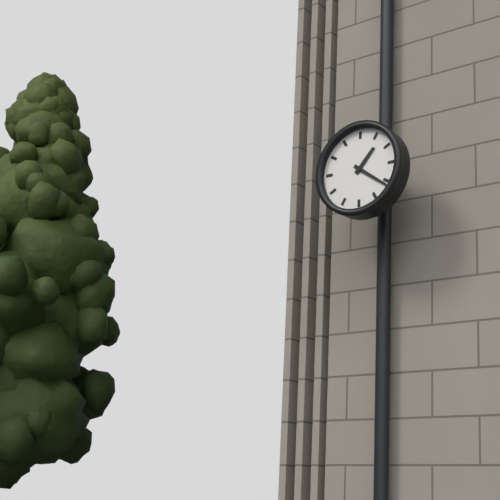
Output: 1h21
